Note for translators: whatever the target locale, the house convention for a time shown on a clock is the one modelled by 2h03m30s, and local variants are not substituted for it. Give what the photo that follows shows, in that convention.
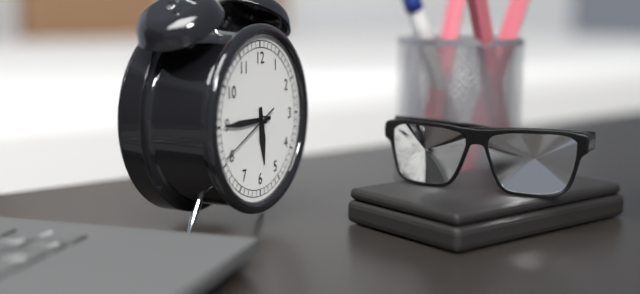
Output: 5h45m41s
